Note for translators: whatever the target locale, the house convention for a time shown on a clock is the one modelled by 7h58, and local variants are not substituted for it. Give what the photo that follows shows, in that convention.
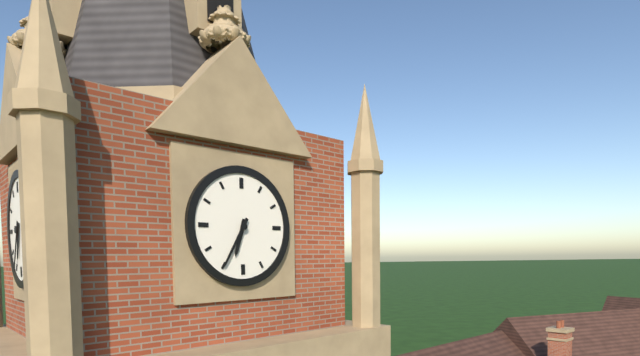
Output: 6h35
